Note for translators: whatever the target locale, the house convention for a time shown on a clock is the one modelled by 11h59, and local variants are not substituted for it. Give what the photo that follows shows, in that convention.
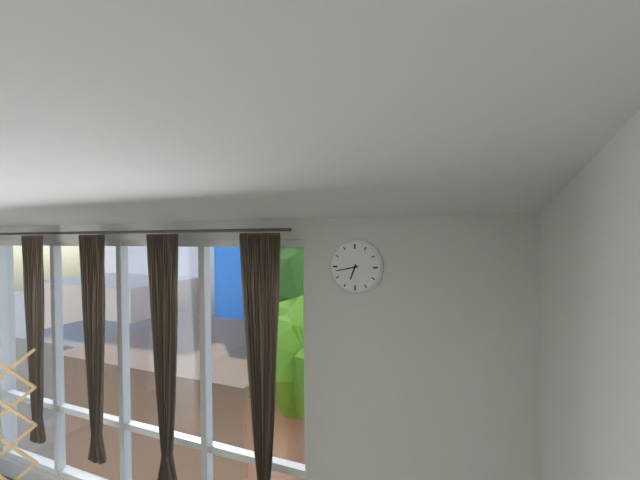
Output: 6h43
